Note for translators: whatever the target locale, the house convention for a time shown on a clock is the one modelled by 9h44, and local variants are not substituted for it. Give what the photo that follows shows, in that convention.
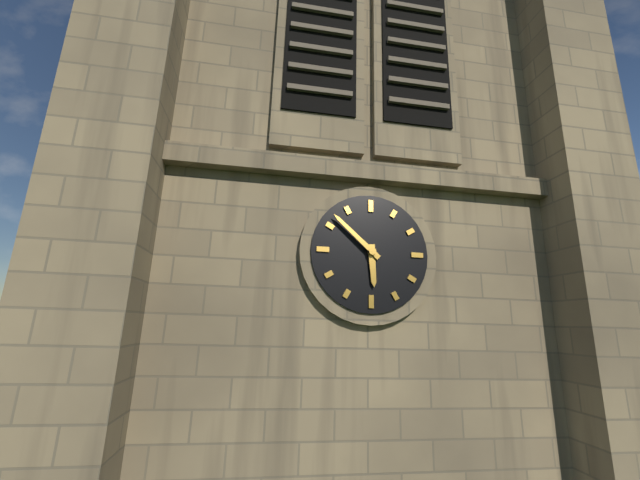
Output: 5h52
